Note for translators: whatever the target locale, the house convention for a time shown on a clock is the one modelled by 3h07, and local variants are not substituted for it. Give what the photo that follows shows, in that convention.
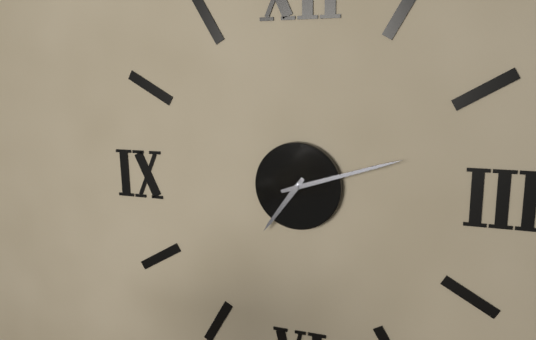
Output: 7h12
